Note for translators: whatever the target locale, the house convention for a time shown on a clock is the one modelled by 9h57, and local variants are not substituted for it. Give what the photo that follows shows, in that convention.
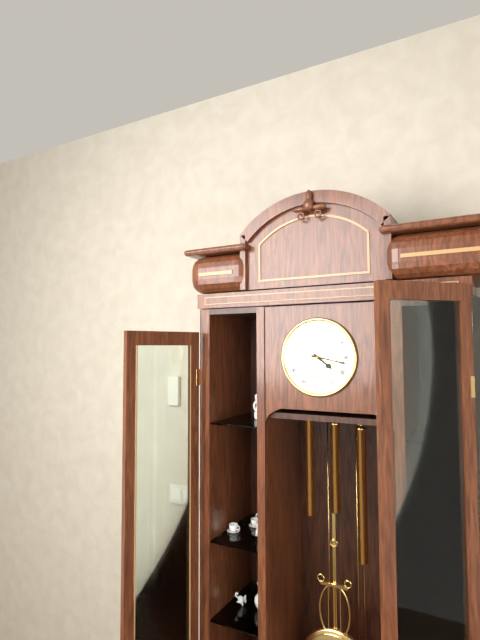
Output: 4h17
